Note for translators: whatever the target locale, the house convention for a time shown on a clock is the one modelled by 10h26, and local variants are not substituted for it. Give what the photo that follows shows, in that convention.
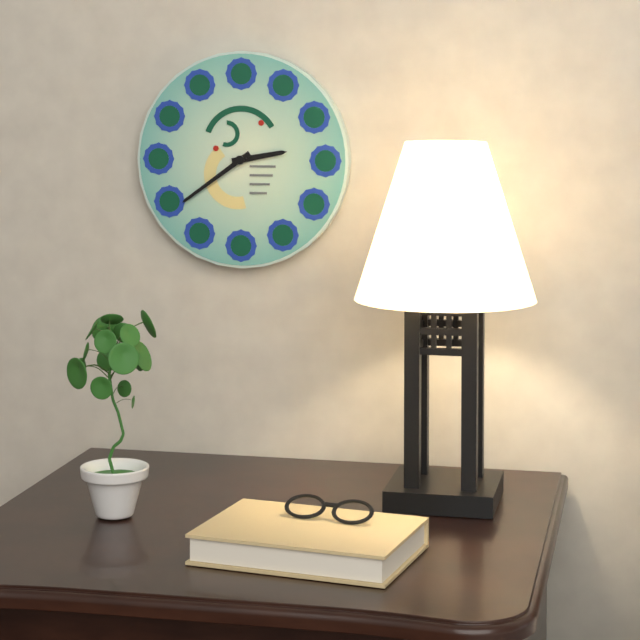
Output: 2h39
